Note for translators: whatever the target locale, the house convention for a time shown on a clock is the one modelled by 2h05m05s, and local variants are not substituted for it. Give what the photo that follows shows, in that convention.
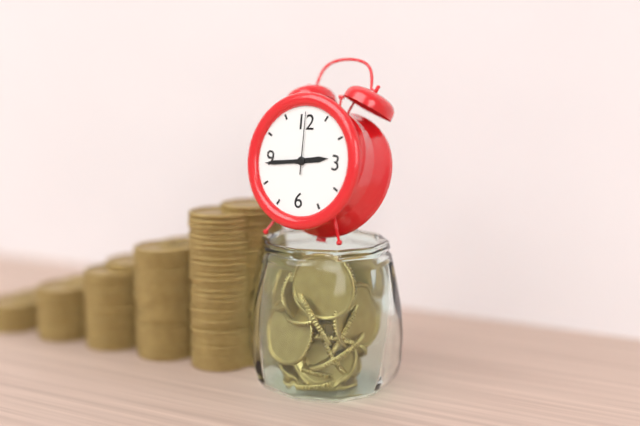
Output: 2h44m00s
